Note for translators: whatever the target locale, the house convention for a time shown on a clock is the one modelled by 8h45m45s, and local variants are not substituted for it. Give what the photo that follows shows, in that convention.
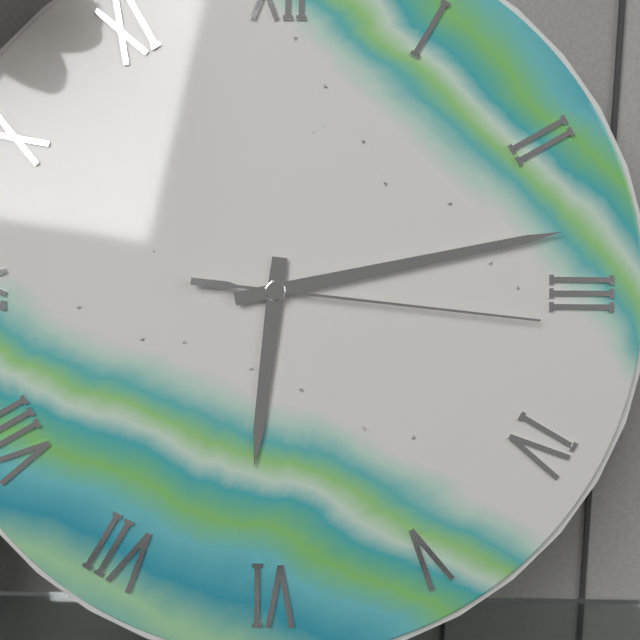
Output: 6h13m16s
